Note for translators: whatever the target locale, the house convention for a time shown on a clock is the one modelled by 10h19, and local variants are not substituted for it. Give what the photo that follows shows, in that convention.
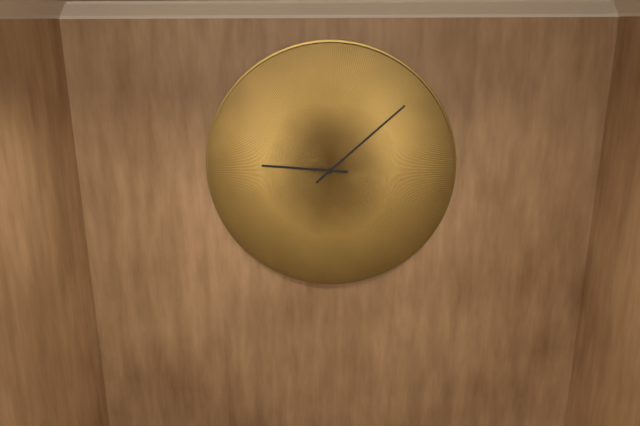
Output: 9h08
